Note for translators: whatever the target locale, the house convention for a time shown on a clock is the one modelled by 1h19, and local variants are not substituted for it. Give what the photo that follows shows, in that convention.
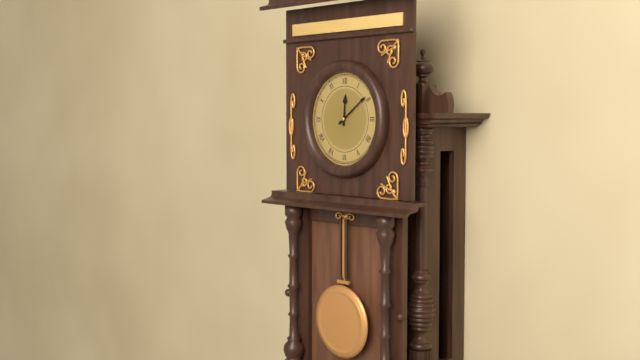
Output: 12h09
